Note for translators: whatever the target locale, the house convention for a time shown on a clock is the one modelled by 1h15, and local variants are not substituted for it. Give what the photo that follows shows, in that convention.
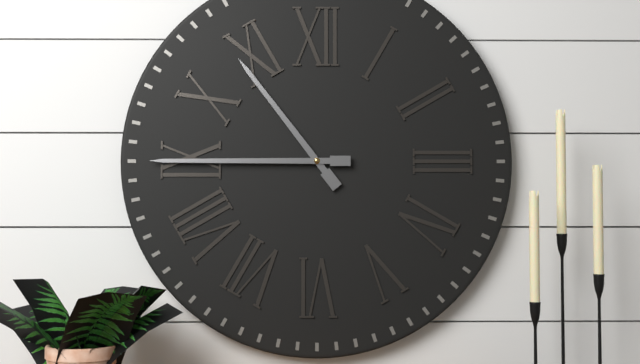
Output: 10h45
